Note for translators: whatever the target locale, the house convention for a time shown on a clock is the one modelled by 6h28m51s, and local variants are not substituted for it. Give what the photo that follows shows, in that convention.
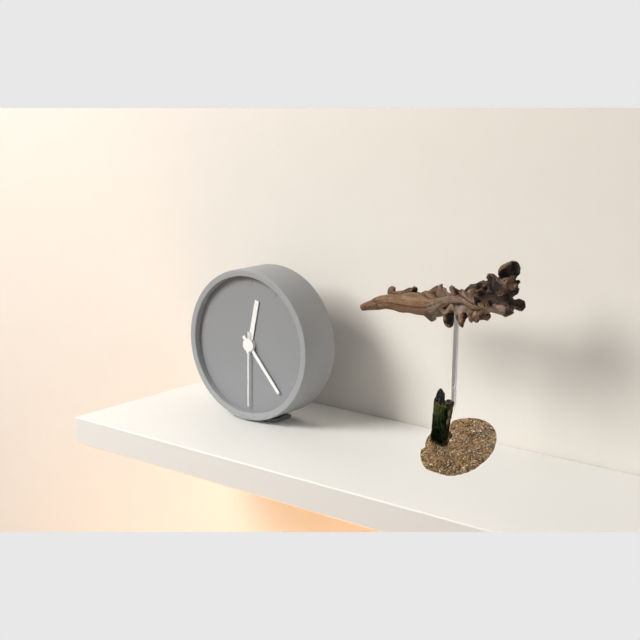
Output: 12h23m30s
